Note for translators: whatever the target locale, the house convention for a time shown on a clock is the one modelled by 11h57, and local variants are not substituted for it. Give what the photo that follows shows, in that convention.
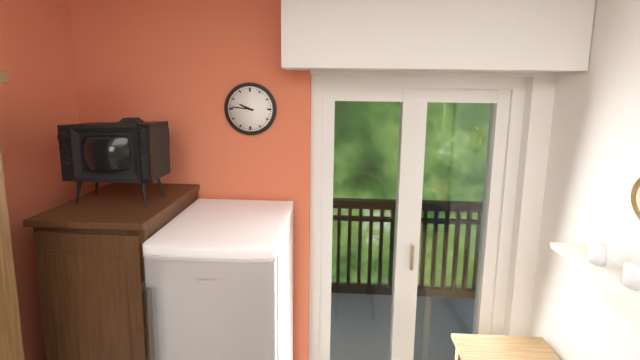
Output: 9h46
